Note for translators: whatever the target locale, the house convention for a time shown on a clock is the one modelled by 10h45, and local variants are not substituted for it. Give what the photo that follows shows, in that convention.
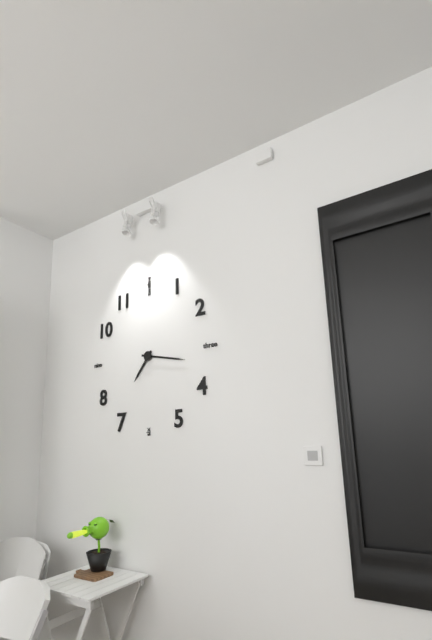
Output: 7h17
